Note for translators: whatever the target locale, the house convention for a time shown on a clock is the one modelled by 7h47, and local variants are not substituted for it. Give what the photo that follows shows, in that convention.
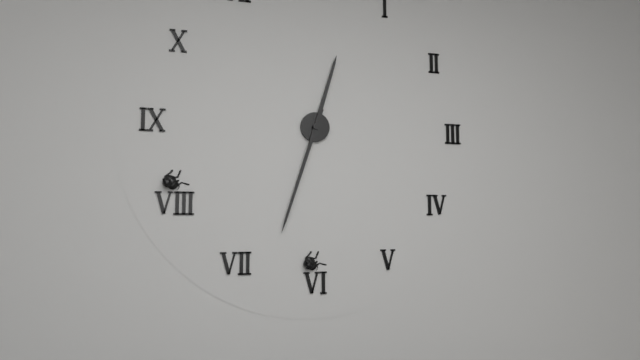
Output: 12h33
